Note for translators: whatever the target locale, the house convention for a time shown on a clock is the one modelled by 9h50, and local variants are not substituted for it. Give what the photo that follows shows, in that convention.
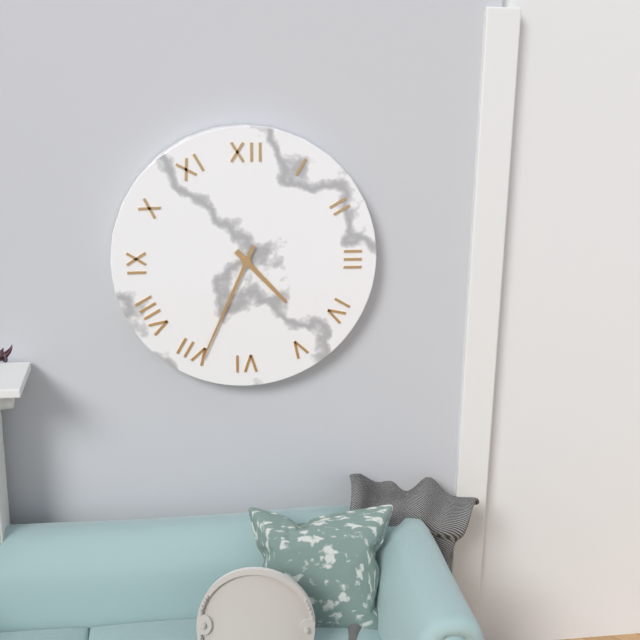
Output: 4h34
